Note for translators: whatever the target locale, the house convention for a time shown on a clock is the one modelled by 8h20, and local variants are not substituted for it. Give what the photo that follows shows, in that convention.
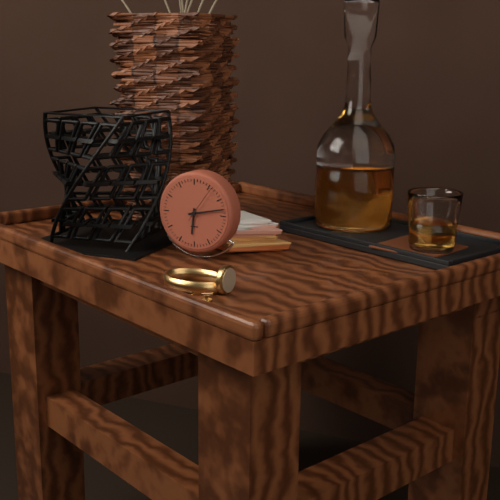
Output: 6h13
